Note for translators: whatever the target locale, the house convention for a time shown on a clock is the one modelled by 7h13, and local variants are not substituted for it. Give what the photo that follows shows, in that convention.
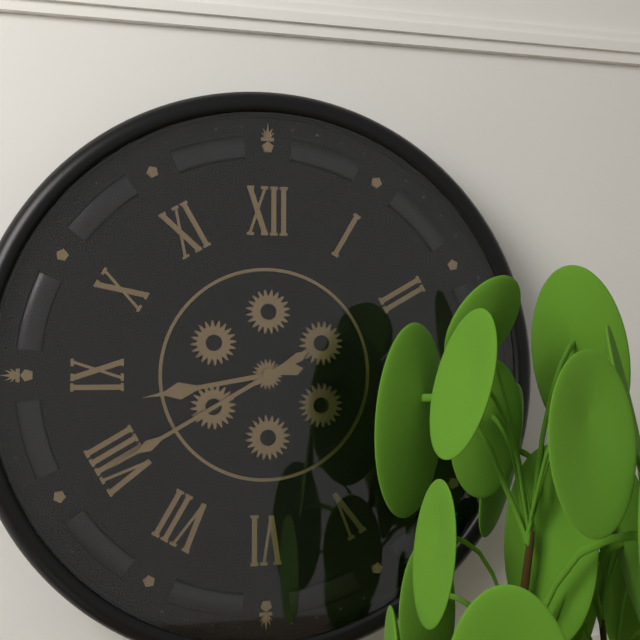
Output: 8h40
